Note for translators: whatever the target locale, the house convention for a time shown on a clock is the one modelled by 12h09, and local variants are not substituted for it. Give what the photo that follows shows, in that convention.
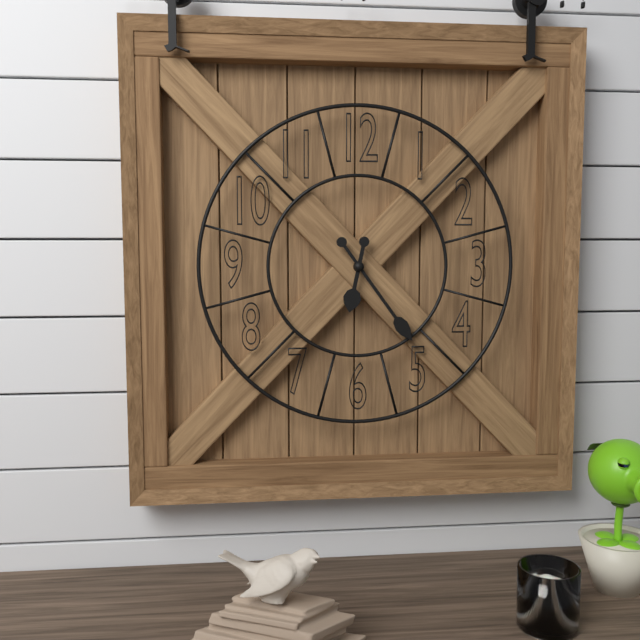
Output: 6h24
